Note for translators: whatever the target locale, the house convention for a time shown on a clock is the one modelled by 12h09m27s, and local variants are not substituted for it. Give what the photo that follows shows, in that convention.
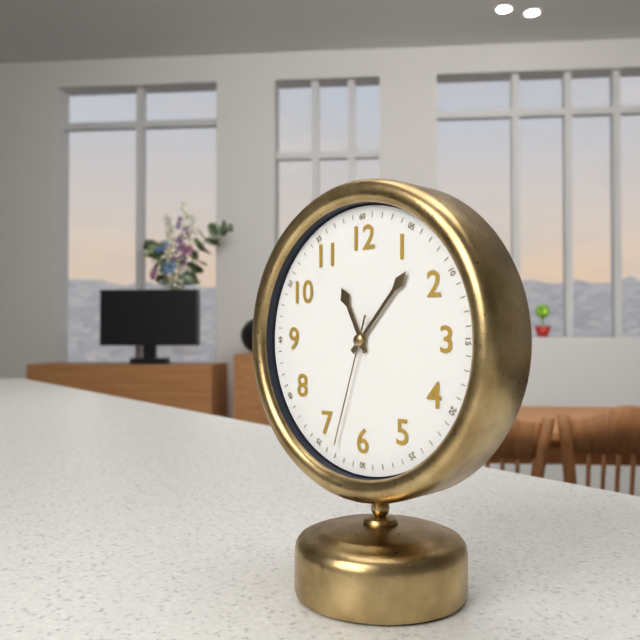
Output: 11h07m33s
